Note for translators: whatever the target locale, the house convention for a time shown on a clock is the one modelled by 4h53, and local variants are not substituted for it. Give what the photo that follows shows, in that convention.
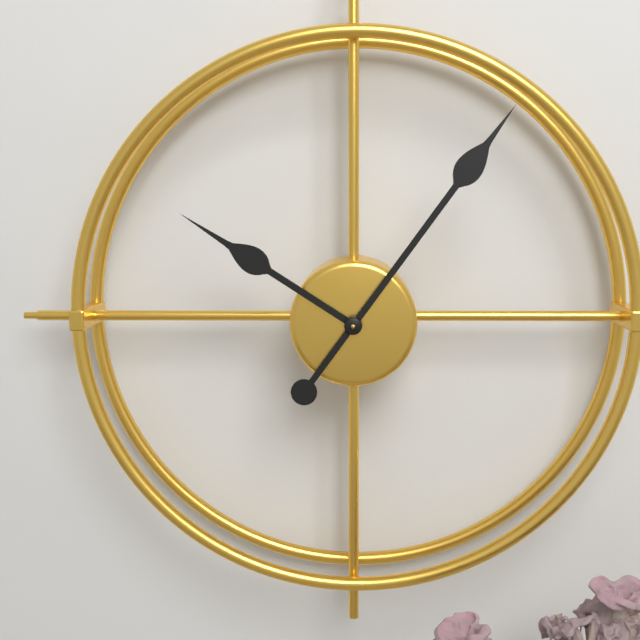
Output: 10h06
